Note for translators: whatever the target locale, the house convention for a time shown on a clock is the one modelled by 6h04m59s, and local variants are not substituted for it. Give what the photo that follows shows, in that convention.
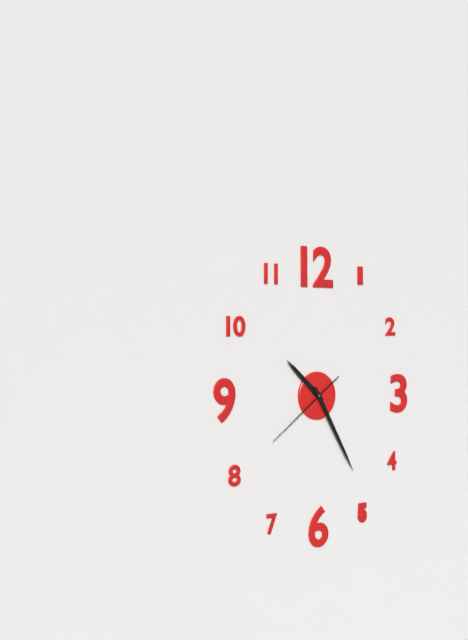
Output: 10h25m39s
